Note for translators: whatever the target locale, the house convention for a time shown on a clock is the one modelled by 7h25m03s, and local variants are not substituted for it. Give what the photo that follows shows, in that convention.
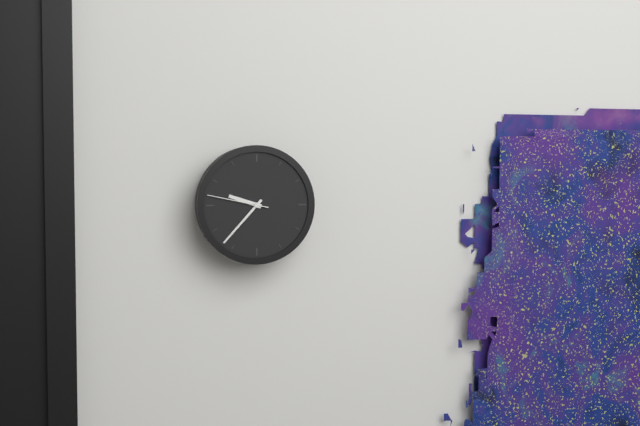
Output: 9h37m47s
